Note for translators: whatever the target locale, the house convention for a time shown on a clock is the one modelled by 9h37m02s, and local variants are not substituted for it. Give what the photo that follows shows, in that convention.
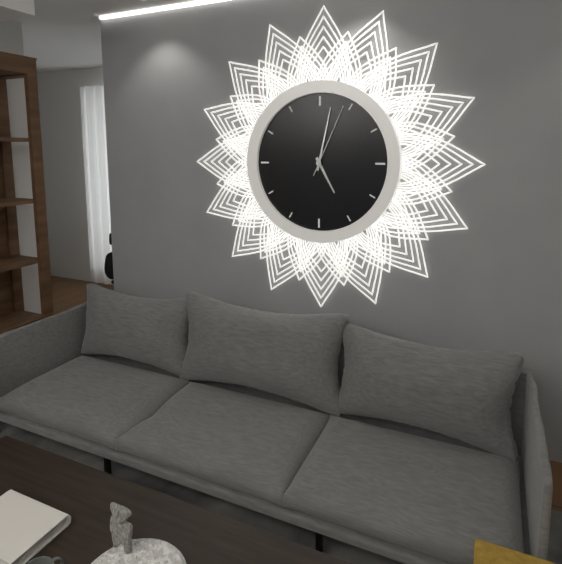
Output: 5h02m04s
